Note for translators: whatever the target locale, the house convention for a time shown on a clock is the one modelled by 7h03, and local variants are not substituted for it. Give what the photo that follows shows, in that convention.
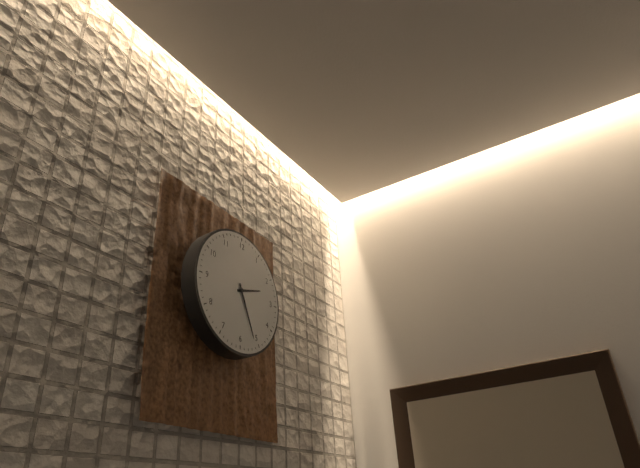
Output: 2h26
